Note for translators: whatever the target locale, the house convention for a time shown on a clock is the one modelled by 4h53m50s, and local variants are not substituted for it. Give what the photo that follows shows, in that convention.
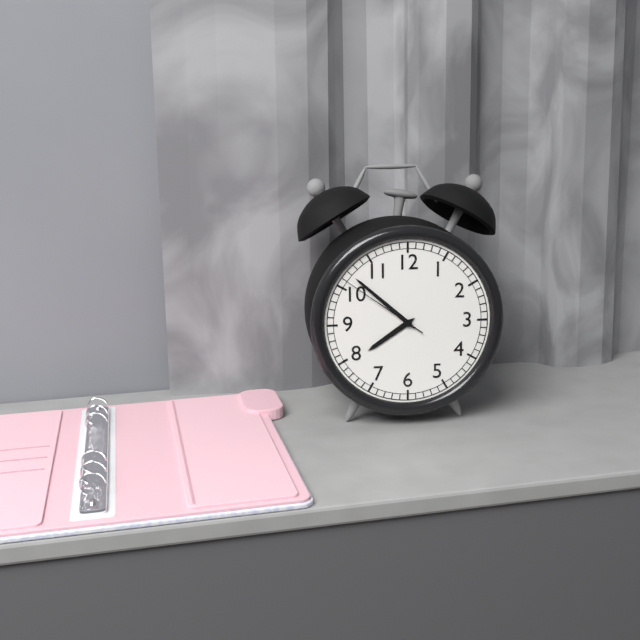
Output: 7h52m51s
